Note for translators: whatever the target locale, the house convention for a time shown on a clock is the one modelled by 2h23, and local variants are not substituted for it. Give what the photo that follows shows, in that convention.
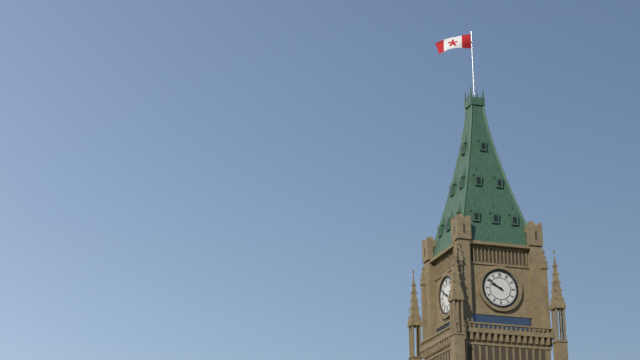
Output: 9h51
